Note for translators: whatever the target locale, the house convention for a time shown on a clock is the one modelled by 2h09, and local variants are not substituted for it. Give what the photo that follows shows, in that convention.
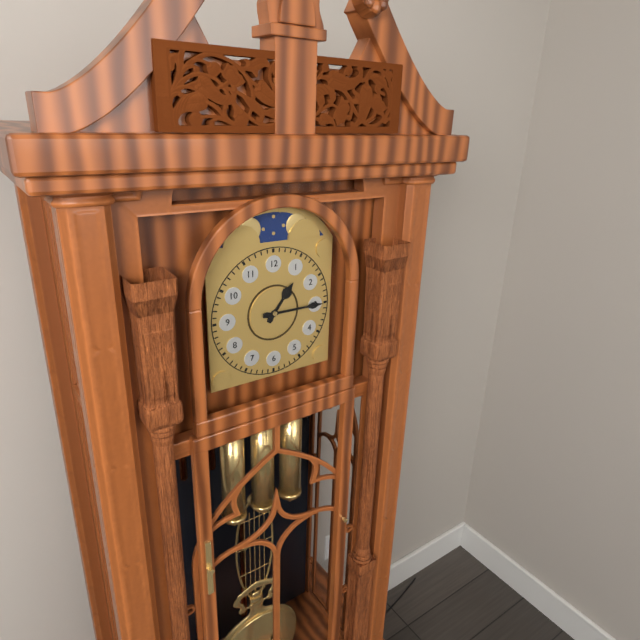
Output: 1h15
